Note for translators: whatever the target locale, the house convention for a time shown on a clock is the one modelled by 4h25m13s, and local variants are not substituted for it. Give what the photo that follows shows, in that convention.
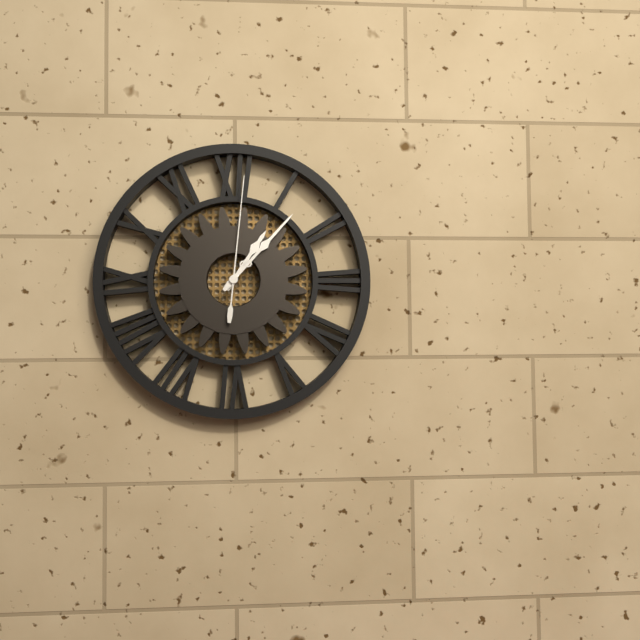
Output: 1h07m01s
